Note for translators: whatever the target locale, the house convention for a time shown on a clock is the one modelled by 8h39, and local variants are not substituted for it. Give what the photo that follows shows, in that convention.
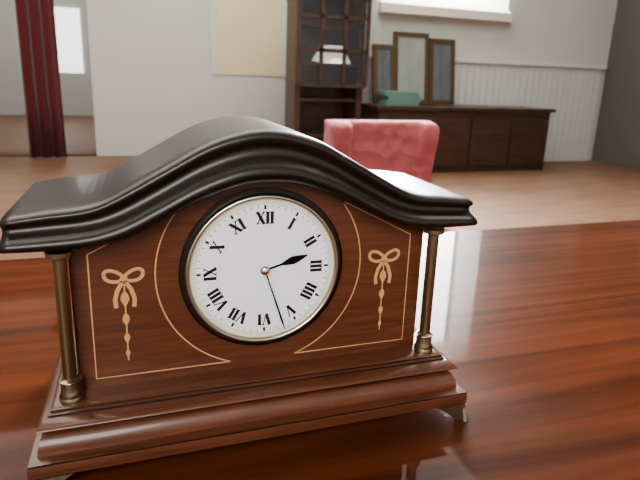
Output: 2h27
